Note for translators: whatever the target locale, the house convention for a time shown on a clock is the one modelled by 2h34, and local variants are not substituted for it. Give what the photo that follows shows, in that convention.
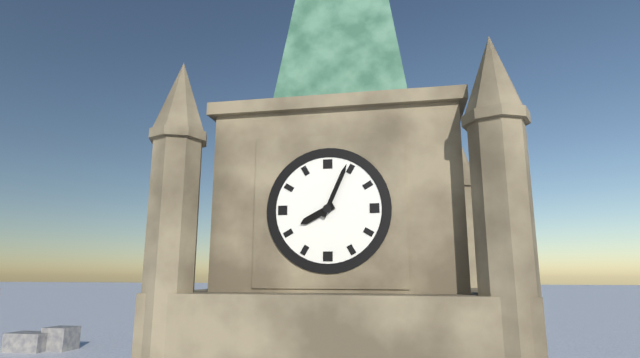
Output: 8h04
